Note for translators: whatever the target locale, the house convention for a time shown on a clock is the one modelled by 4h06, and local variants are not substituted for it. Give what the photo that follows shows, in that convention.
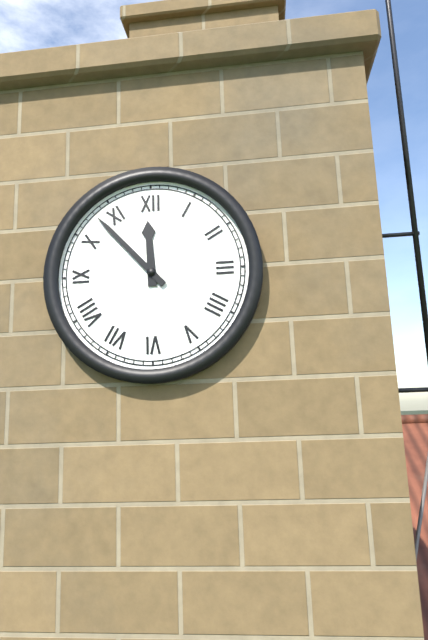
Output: 11h53
